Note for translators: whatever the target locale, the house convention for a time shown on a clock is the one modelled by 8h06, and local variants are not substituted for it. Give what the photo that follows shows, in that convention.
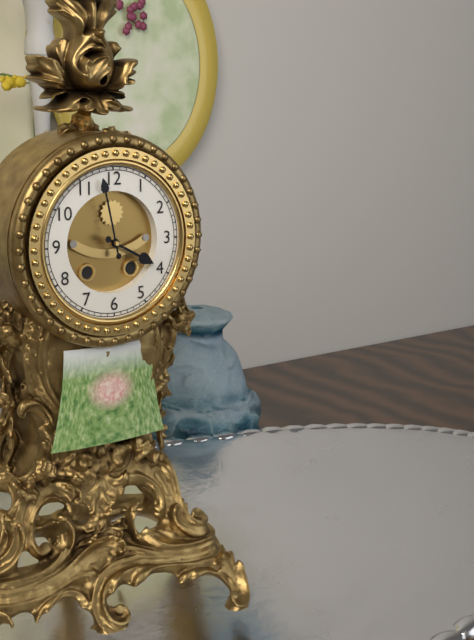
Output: 3h58
